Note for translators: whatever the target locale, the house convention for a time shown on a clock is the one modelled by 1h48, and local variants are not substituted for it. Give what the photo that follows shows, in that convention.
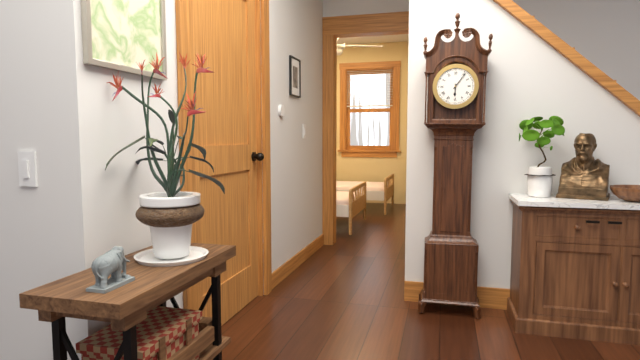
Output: 6h06
